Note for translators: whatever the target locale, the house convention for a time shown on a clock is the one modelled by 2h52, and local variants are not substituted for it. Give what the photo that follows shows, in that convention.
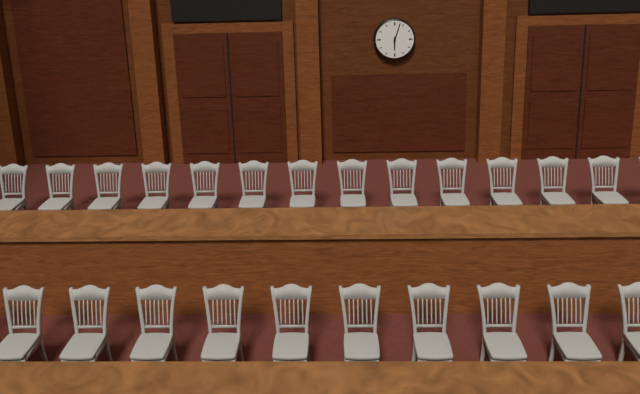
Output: 6h03
